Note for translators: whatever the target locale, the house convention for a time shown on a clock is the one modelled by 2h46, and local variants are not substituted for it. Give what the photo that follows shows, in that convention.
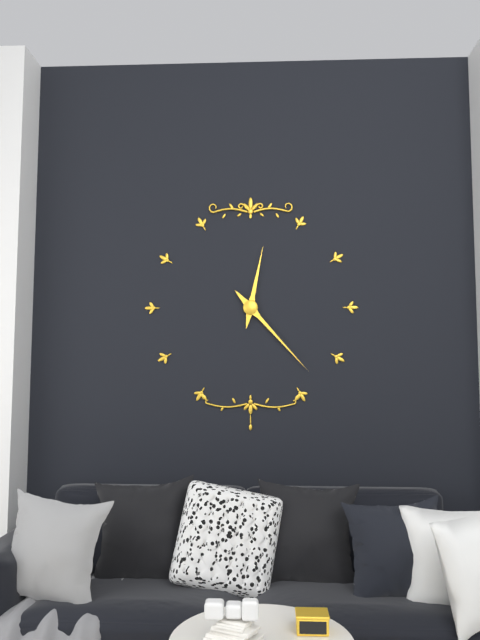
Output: 12h23
